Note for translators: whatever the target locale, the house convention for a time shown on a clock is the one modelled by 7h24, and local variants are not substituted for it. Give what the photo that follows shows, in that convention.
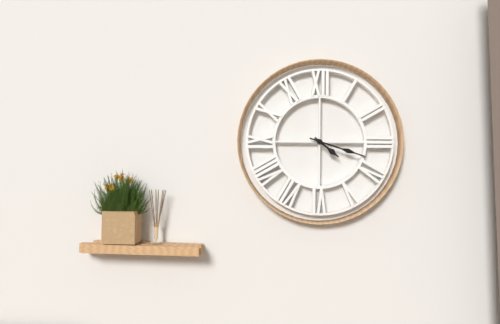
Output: 4h18
